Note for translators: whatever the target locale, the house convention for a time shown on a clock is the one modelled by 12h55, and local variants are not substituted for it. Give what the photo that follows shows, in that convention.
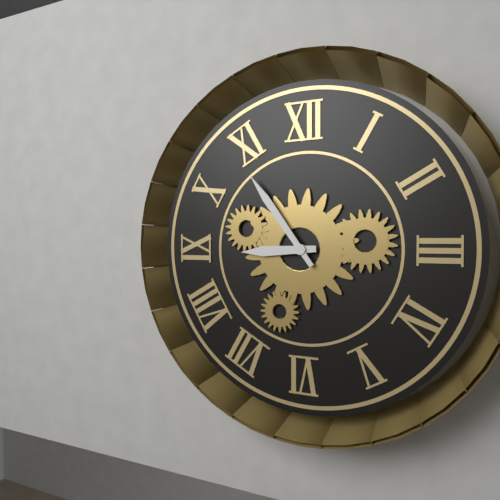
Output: 8h54
